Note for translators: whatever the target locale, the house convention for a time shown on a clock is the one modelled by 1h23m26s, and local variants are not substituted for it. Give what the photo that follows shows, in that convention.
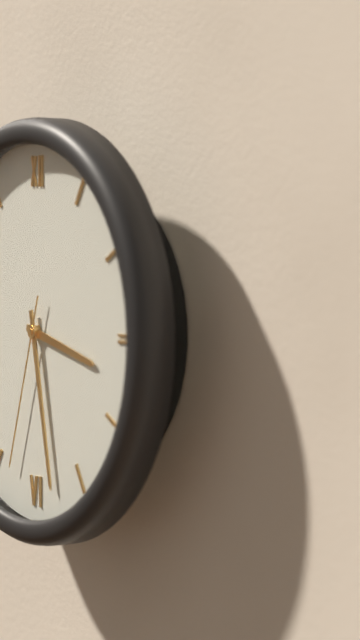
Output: 3h28m33s
